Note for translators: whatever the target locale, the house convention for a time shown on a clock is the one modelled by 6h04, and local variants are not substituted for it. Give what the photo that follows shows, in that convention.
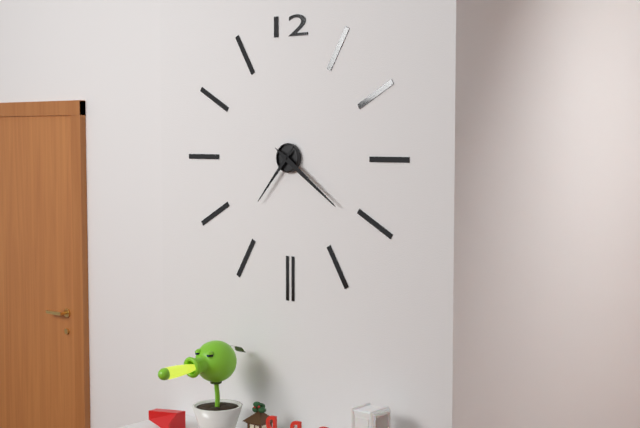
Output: 7h21
